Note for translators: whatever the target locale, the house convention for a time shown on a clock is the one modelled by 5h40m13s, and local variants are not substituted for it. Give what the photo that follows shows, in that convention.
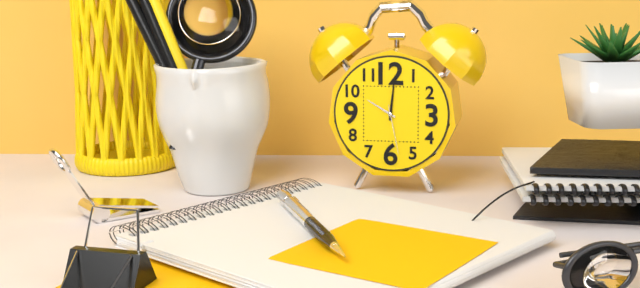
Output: 10h01m28s
